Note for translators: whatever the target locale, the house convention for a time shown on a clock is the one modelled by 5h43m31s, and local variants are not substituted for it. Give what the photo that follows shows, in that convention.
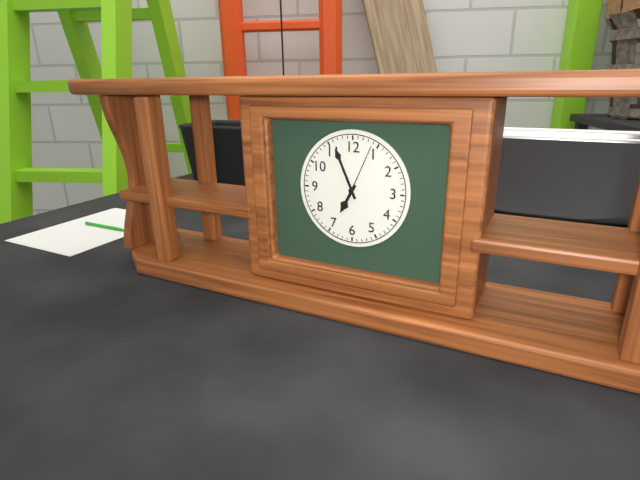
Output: 6h56m04s
